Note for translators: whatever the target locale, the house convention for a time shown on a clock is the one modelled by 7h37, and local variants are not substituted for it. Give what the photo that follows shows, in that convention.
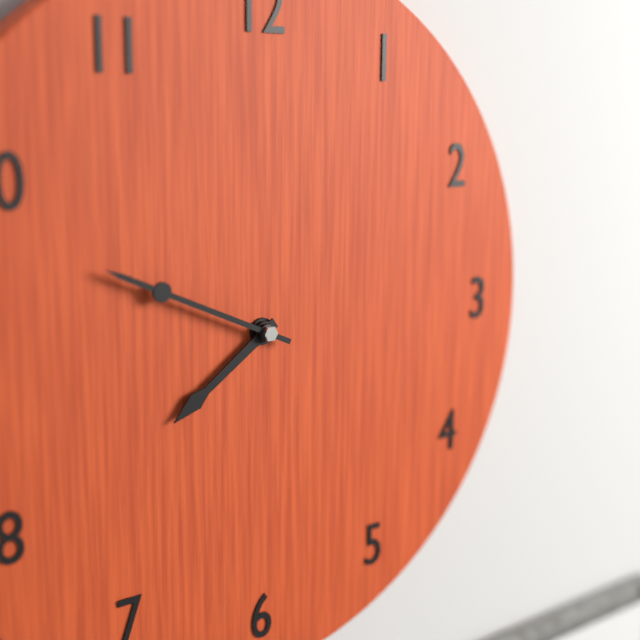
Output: 7h49
